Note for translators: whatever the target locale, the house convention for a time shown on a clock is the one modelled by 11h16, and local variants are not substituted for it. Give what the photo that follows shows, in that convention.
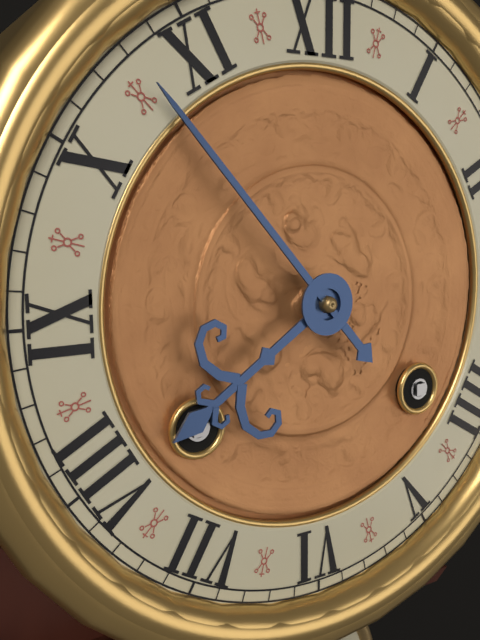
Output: 7h53
